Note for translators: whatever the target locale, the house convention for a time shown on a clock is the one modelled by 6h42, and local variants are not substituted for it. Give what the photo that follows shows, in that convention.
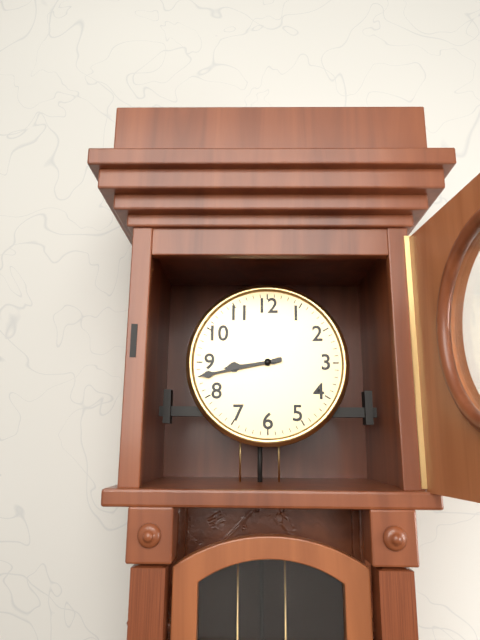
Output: 8h43
